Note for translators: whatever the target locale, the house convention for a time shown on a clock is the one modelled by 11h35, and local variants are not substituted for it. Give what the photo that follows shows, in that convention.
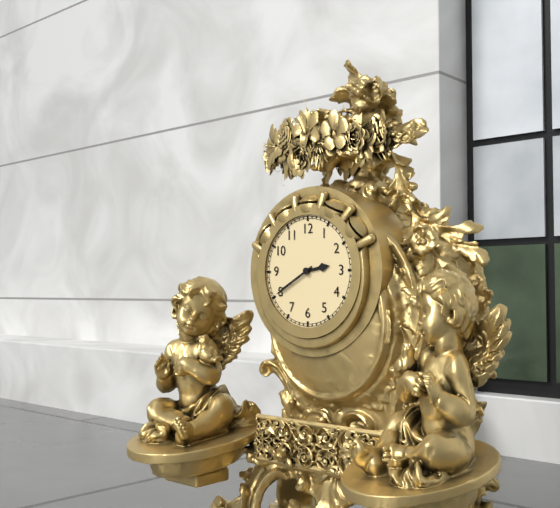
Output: 2h40
